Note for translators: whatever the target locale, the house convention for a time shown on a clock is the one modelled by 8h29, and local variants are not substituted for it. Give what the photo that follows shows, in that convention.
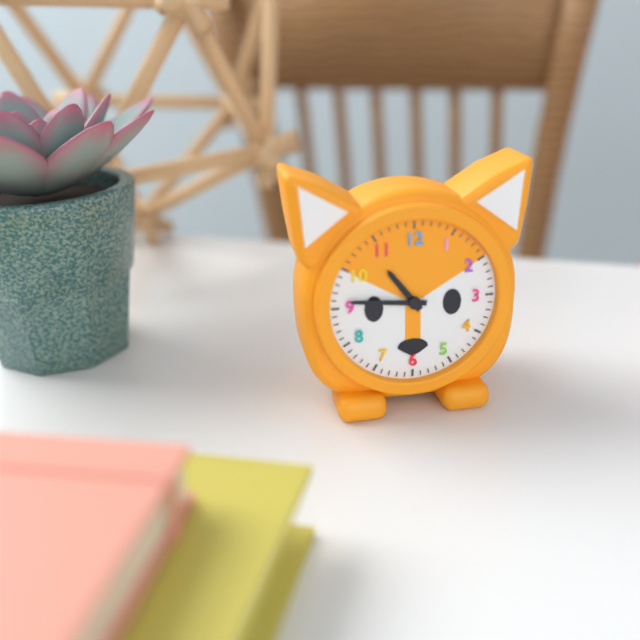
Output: 10h46
